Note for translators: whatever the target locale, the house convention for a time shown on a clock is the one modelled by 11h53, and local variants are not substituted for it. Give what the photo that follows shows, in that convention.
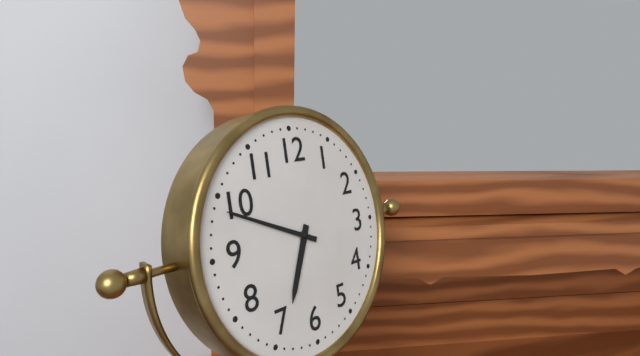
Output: 6h49
